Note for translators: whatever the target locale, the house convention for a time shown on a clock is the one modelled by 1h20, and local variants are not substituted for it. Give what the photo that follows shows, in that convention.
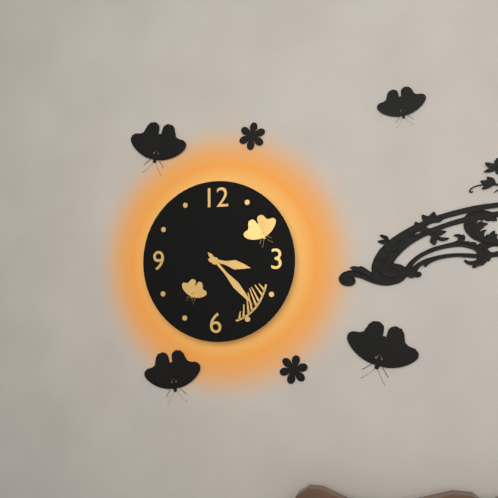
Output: 3h23
